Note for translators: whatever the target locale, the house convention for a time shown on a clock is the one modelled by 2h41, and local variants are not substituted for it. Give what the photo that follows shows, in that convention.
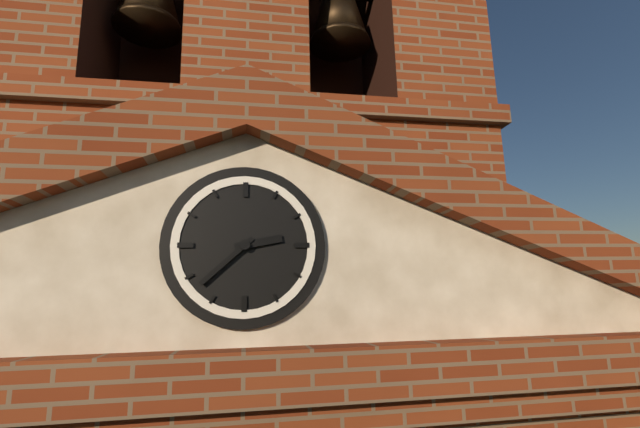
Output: 2h38
